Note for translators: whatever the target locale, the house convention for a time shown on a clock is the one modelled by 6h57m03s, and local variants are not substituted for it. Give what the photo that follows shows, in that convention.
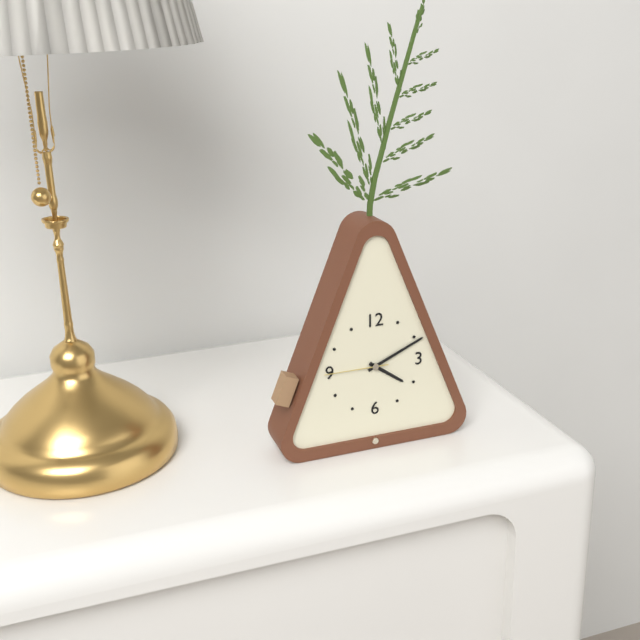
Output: 4h11m45s
